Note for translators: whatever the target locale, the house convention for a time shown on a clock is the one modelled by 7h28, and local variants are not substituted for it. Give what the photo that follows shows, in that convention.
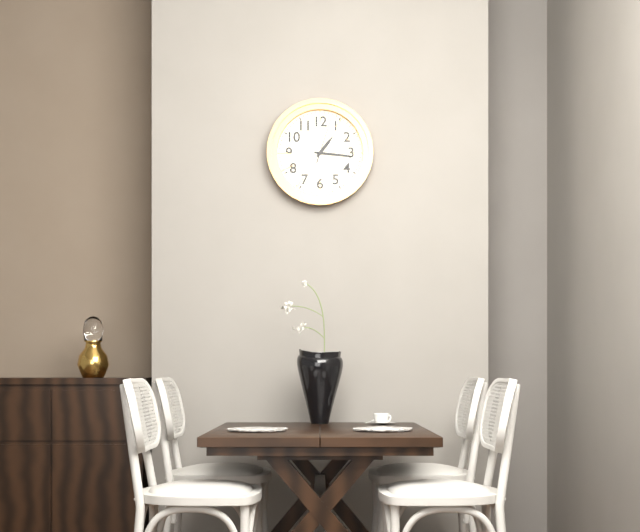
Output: 1h16
